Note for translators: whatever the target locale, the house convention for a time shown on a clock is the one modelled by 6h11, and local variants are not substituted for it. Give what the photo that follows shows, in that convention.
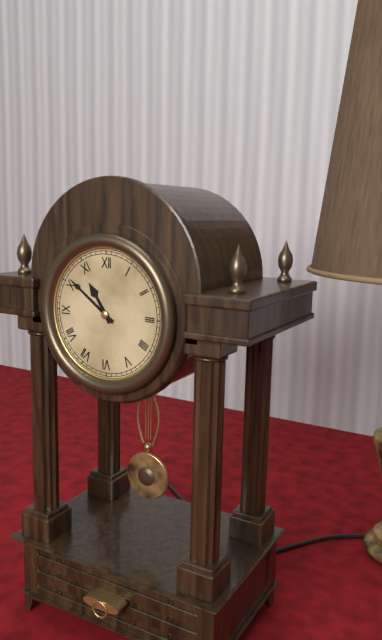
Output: 10h51
